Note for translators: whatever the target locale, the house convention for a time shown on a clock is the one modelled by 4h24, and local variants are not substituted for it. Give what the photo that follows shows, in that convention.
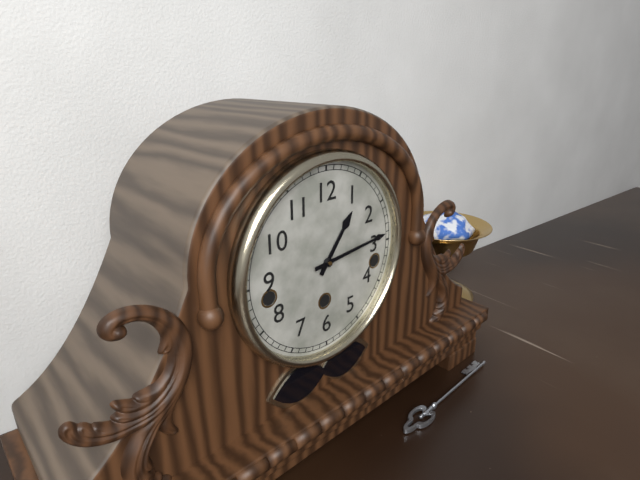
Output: 1h14
